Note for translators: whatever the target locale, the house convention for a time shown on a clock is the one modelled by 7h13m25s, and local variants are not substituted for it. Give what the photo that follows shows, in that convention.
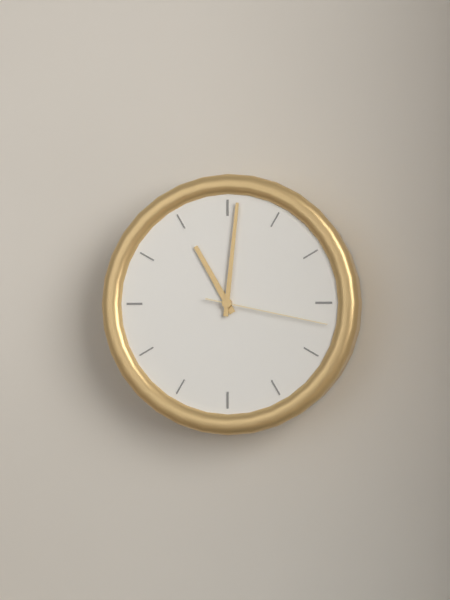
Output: 11h01m17s
